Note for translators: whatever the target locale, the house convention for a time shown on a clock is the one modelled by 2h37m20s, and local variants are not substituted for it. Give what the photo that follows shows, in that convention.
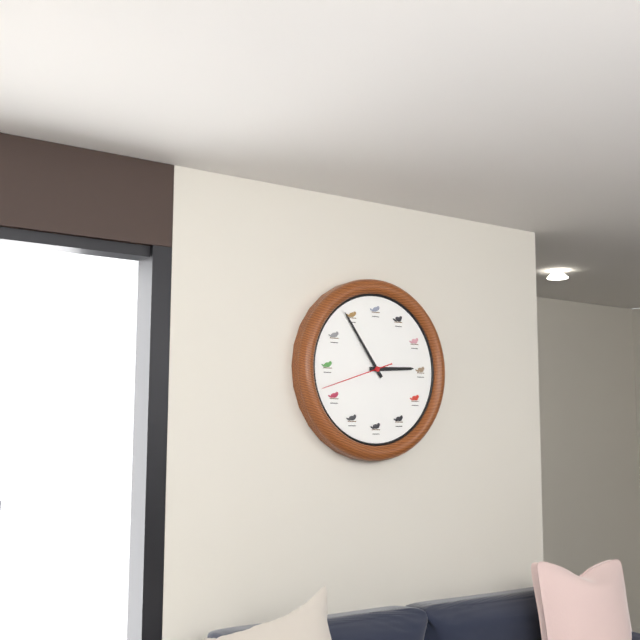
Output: 2h54m42s
